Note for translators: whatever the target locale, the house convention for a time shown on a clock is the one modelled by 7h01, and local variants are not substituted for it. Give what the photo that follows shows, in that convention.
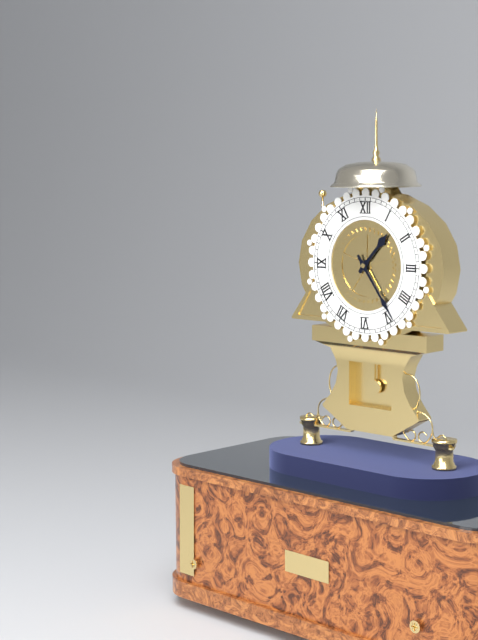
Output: 1h24
